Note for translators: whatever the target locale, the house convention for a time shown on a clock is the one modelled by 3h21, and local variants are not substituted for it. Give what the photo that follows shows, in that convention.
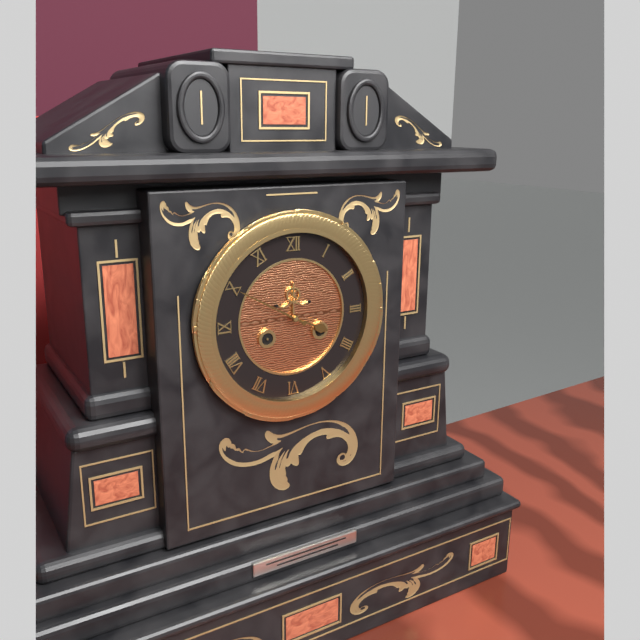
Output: 3h50
